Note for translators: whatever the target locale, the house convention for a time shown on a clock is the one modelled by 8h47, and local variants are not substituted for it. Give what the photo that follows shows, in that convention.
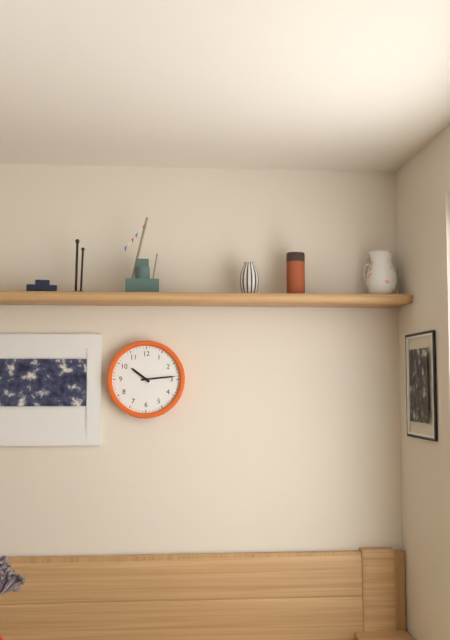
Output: 10h14
